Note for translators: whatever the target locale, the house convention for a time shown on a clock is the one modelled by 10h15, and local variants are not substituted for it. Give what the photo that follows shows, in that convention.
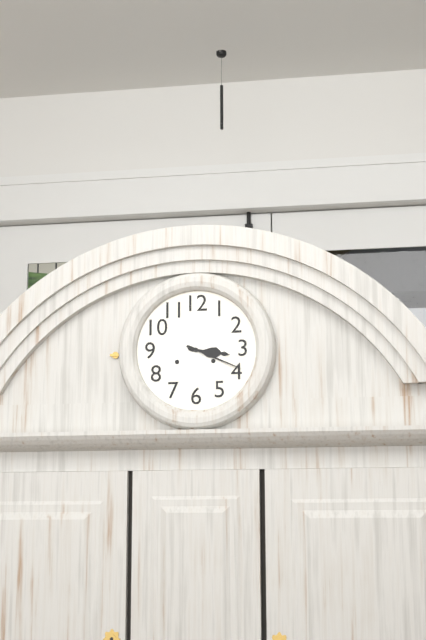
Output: 3h19
